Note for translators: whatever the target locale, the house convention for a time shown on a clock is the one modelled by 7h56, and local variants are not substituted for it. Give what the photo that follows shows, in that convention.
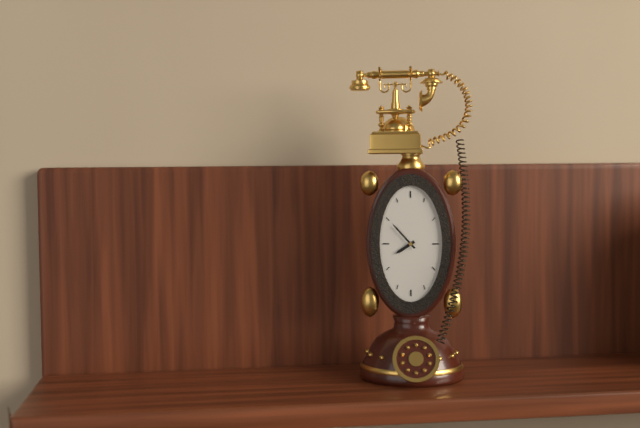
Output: 7h53
